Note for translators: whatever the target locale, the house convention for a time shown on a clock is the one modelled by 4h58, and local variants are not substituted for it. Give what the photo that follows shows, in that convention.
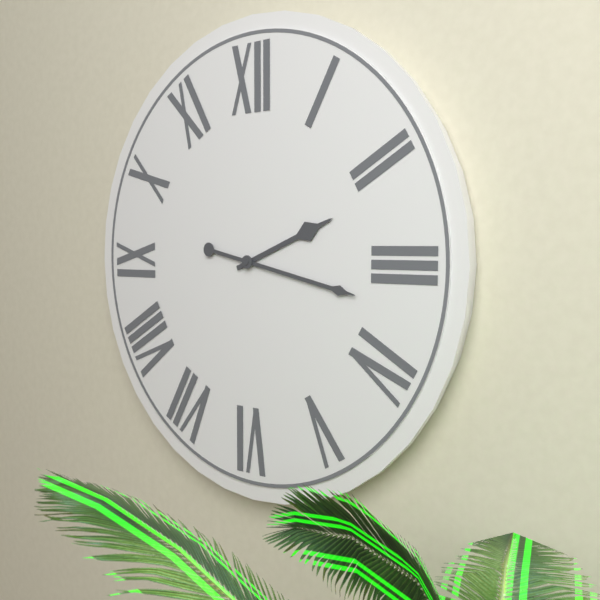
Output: 2h17
